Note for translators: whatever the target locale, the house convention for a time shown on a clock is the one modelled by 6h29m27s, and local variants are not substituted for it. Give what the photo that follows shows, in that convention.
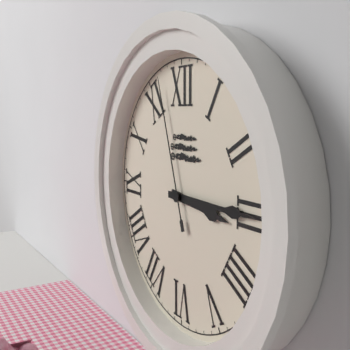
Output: 3h15m57s
